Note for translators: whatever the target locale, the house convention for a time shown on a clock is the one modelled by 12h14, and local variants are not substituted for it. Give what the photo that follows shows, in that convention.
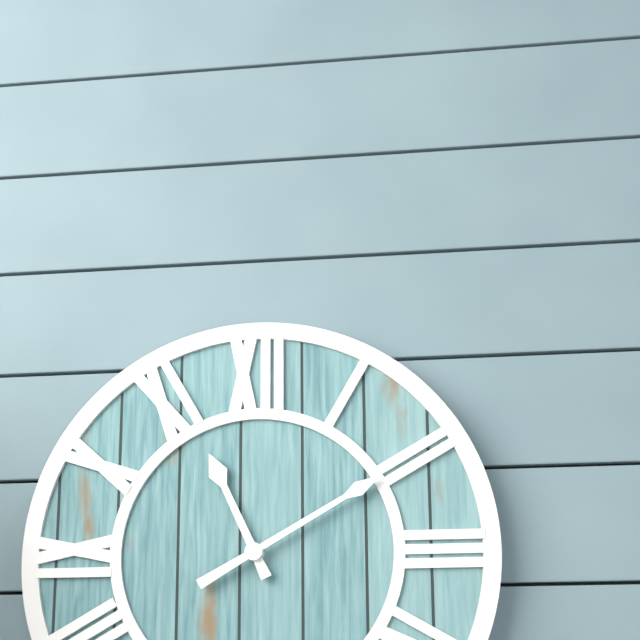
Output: 11h10
